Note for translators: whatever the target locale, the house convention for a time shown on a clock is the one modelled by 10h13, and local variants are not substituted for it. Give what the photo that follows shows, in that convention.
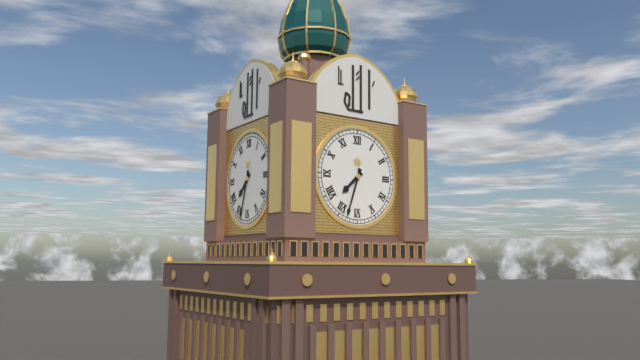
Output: 7h33
